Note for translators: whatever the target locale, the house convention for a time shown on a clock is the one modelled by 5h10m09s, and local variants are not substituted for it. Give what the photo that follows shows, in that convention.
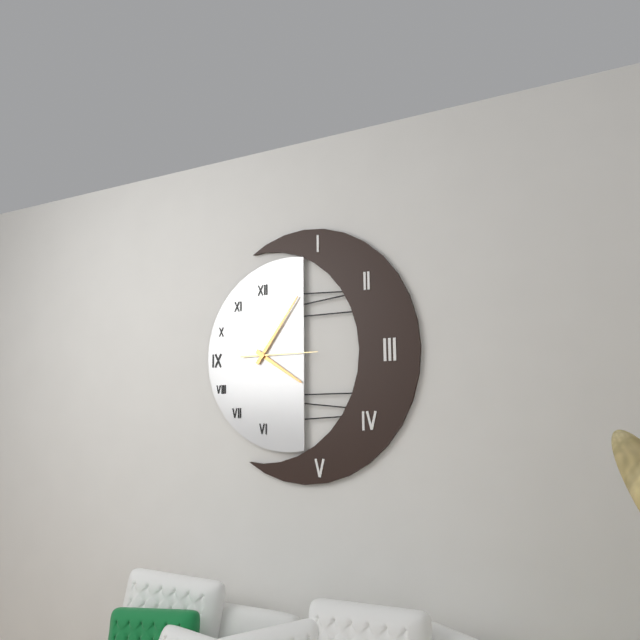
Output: 4h06m15s
